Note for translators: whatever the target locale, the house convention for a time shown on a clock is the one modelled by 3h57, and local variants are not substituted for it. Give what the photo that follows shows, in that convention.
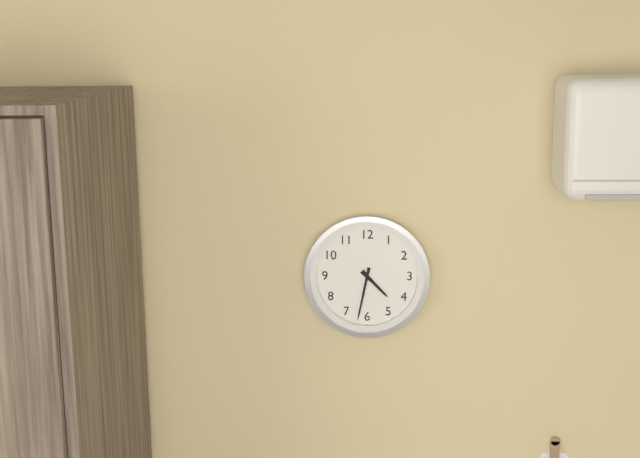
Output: 4h32
